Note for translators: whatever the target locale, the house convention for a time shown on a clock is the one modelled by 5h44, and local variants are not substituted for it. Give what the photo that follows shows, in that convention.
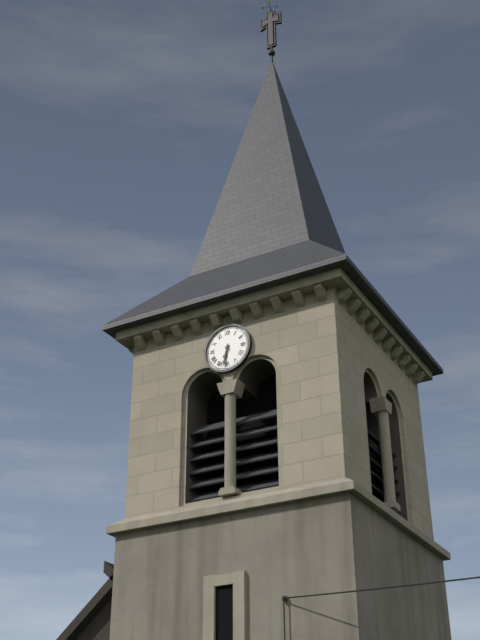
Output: 6h32
